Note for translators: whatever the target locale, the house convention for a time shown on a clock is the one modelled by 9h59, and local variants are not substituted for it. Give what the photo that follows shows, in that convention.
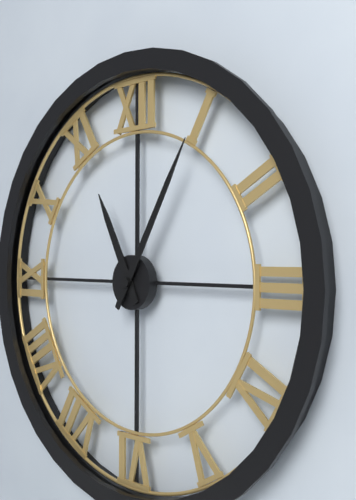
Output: 11h05
